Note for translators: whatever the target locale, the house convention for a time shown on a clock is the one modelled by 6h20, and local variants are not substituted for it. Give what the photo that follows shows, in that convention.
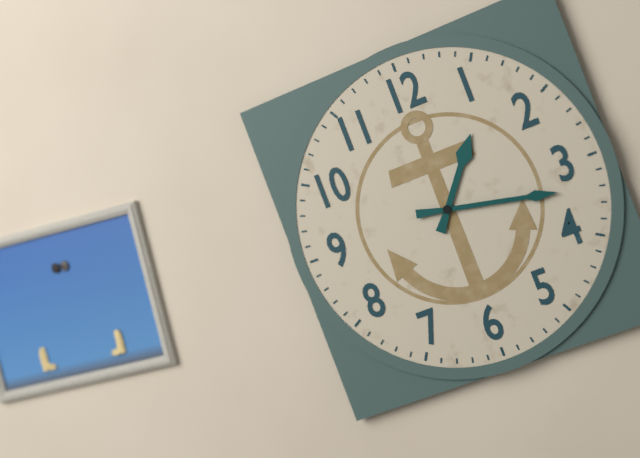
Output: 1h17
